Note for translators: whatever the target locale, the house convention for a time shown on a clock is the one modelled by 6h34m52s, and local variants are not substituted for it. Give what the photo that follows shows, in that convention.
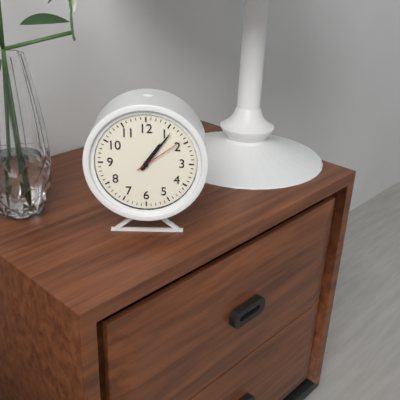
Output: 1h06m09s
